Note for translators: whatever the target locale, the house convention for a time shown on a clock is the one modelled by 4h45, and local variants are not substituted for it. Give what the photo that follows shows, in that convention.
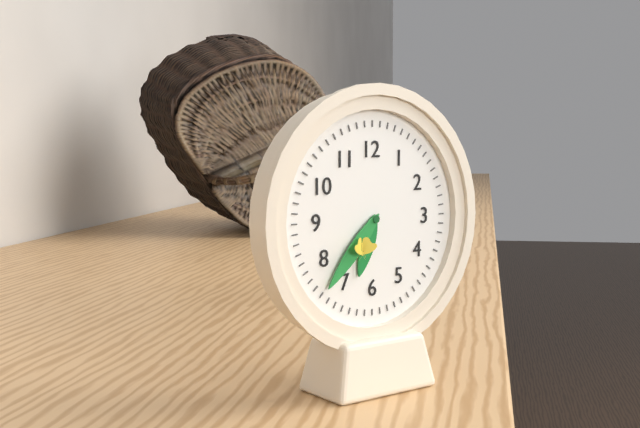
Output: 6h37
